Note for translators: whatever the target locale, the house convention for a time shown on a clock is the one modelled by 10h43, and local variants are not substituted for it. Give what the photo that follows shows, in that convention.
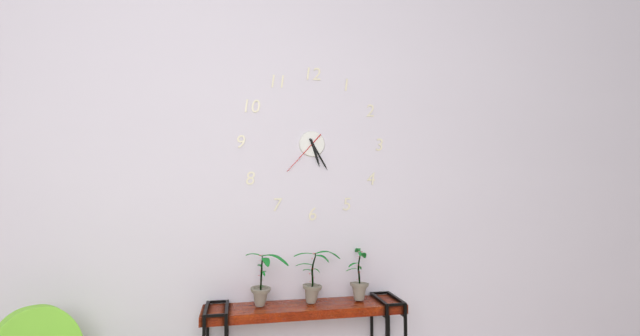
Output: 5h25
